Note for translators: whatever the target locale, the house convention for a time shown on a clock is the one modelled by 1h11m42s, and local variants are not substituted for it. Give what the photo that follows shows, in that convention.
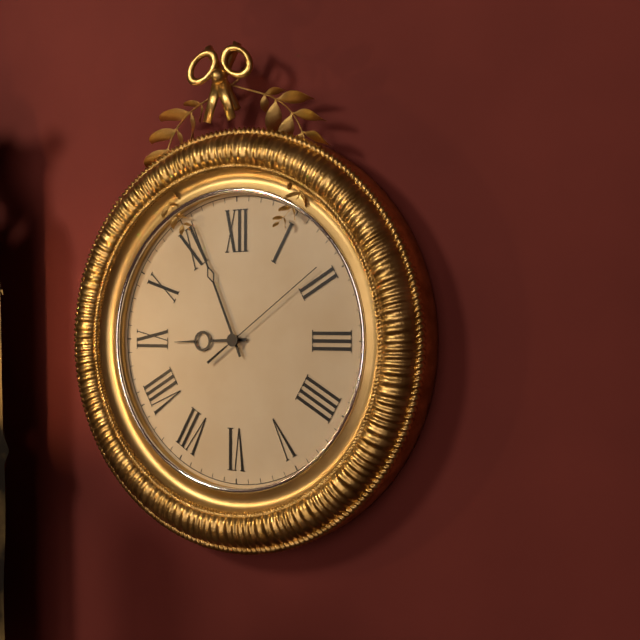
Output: 8h56m09s
